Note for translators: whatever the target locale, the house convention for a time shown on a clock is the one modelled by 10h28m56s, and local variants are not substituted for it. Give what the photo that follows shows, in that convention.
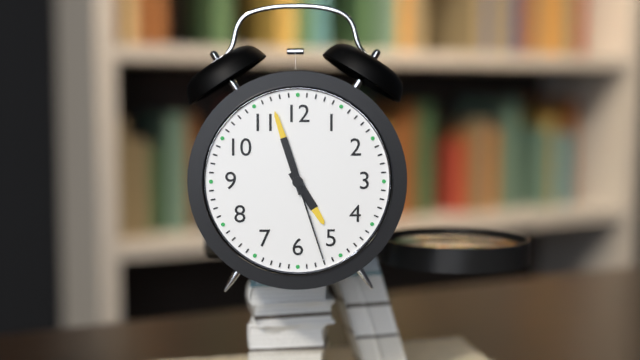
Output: 4h57m27s
